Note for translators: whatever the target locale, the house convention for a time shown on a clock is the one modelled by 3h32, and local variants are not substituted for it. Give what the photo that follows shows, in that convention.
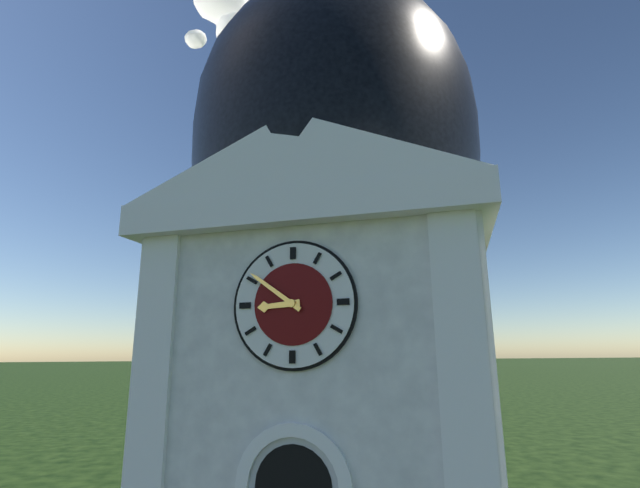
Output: 8h51
